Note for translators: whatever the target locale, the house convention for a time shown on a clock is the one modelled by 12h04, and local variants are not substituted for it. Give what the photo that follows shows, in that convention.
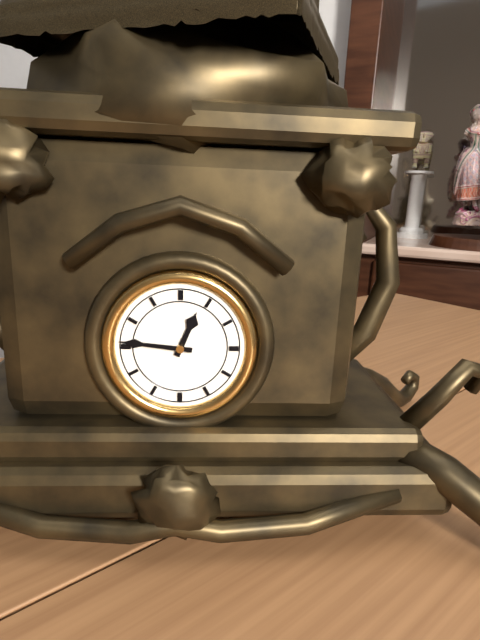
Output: 12h46
